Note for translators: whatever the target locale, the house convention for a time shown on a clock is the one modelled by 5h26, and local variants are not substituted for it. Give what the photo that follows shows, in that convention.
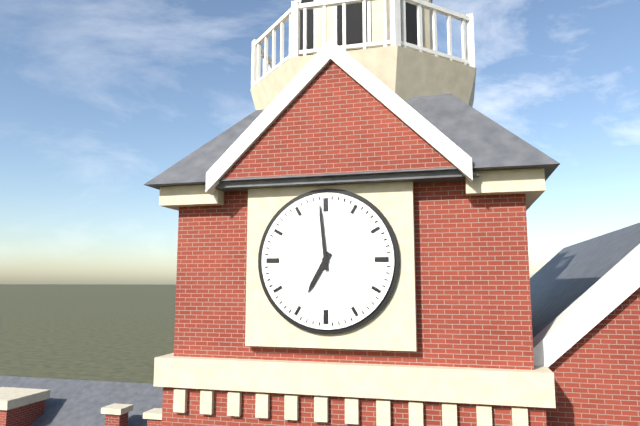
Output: 6h59
